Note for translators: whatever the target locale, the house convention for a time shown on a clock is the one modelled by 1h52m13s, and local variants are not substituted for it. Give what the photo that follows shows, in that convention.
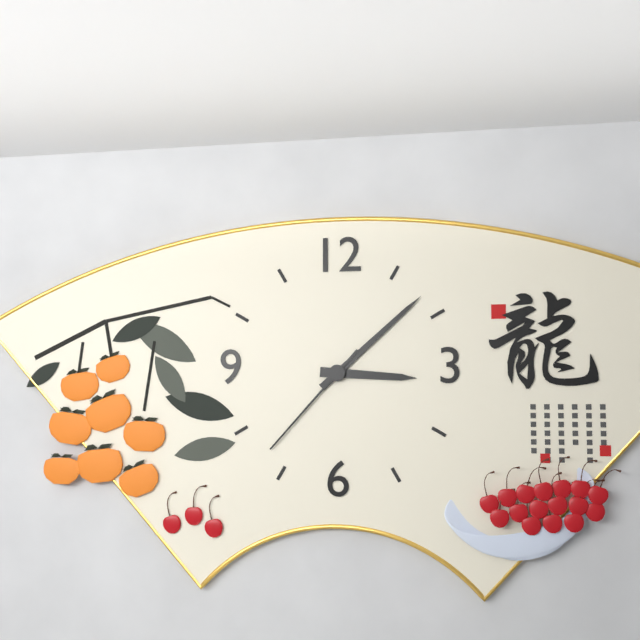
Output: 3h08m37s
